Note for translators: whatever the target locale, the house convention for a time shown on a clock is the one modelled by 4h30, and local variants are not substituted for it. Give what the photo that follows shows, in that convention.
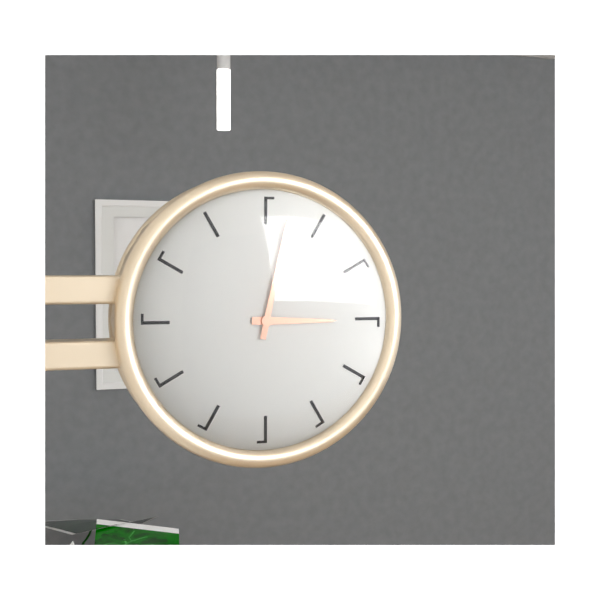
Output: 3h02
